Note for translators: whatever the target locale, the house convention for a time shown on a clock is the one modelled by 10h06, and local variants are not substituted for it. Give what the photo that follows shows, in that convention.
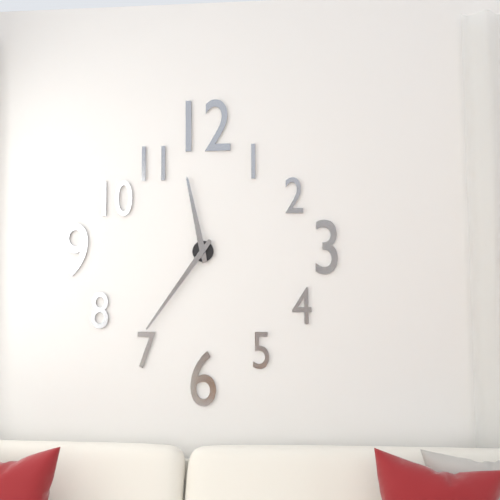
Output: 11h36
